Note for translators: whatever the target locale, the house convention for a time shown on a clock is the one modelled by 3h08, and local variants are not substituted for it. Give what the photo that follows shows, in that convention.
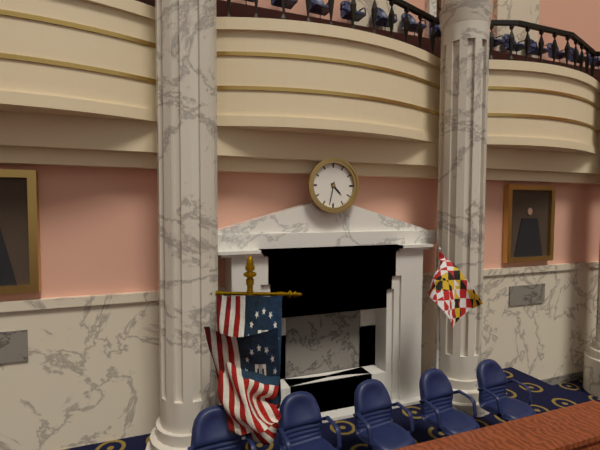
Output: 4h32
